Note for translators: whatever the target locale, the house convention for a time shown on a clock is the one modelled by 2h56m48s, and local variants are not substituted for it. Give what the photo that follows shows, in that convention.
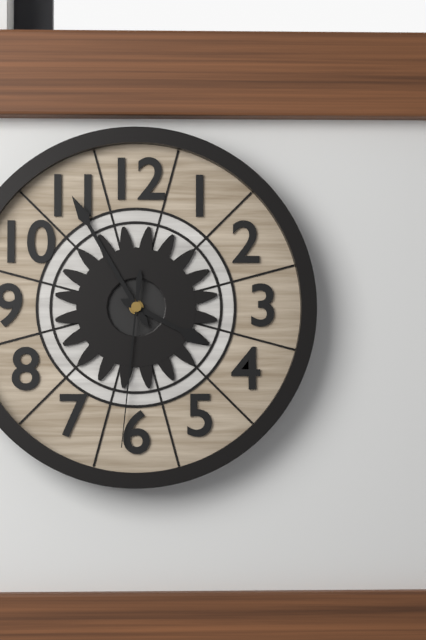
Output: 3h55m31s
